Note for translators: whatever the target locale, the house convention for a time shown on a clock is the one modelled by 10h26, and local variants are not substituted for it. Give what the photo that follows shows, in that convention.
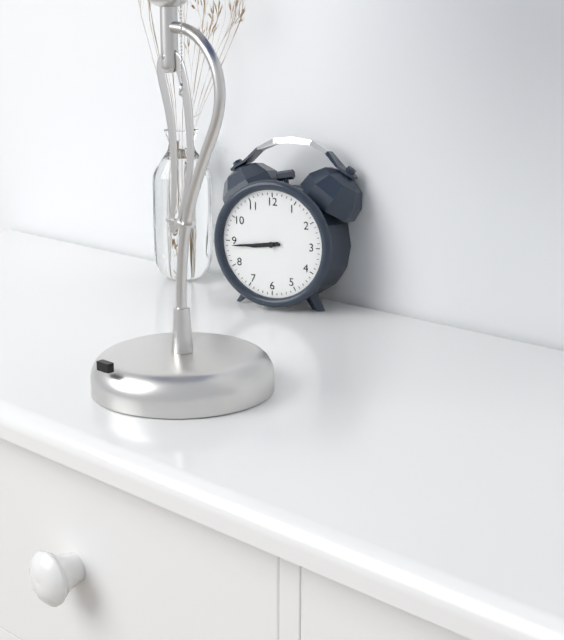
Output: 8h44
